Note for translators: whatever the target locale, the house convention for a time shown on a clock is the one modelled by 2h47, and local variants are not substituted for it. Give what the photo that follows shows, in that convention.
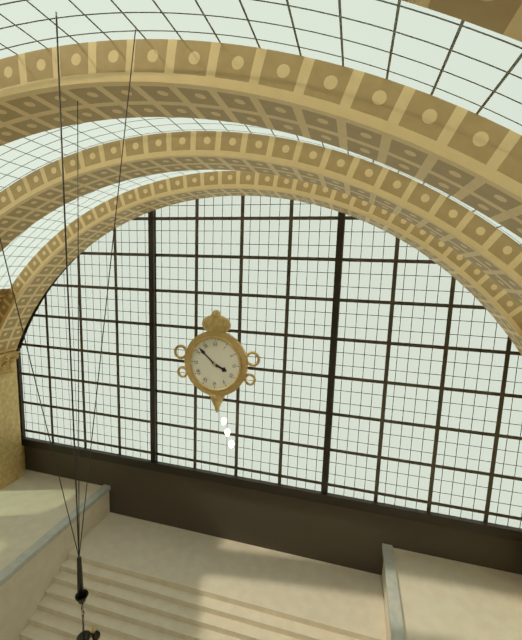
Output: 3h52
